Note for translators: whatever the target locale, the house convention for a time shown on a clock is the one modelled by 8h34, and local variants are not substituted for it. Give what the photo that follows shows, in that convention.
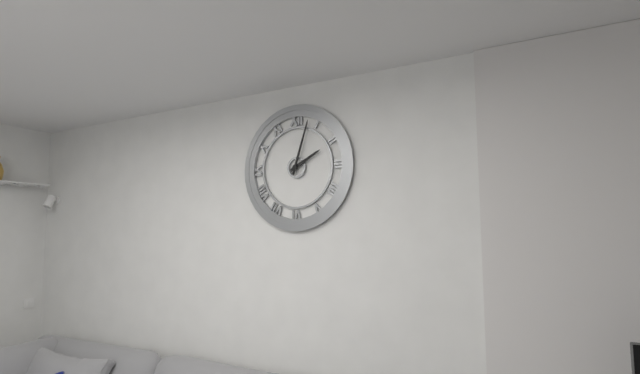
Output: 2h03
